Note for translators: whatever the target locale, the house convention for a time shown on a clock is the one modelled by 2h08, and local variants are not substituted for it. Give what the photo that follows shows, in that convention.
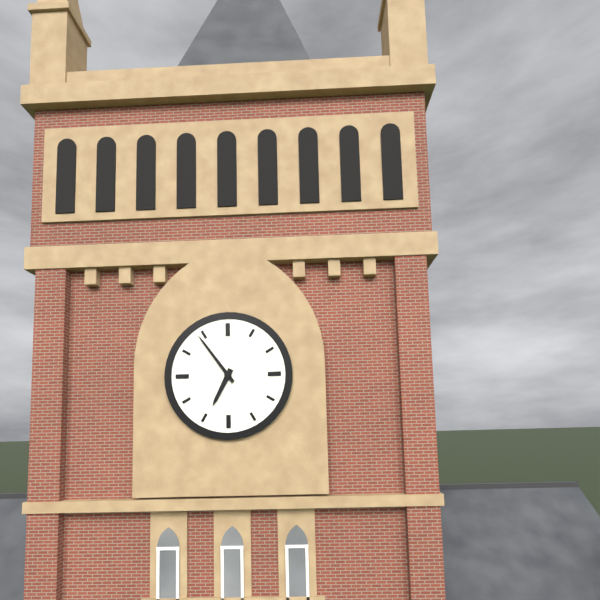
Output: 6h54
